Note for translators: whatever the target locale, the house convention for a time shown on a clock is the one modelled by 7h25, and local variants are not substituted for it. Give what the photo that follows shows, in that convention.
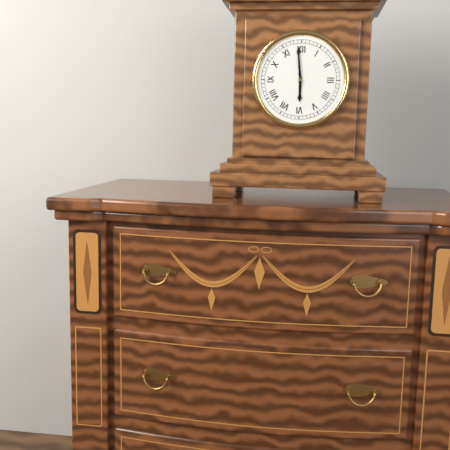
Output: 5h59
